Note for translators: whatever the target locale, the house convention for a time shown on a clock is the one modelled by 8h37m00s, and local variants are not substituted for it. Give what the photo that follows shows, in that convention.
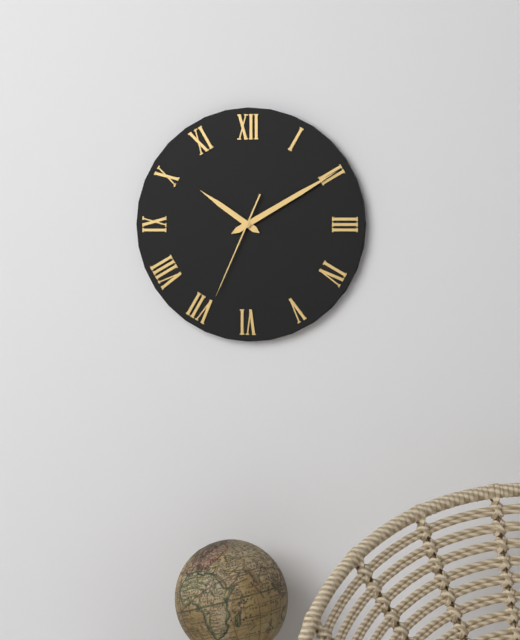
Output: 10h10m34s
